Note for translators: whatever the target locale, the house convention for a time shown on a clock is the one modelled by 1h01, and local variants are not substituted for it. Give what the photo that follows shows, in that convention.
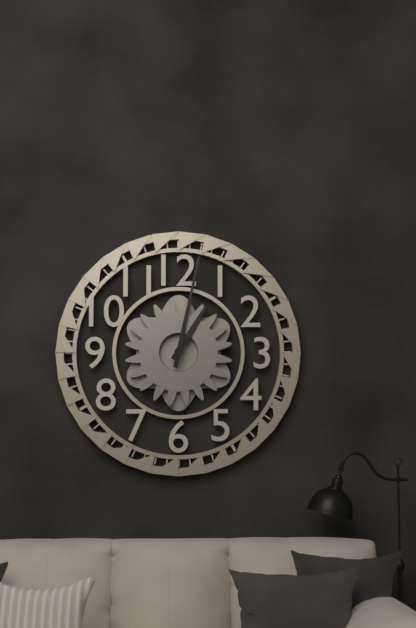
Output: 1h02
